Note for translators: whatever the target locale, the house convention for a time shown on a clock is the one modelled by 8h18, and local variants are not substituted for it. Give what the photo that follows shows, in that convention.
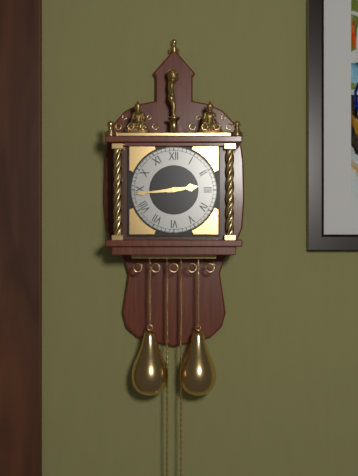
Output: 2h44
